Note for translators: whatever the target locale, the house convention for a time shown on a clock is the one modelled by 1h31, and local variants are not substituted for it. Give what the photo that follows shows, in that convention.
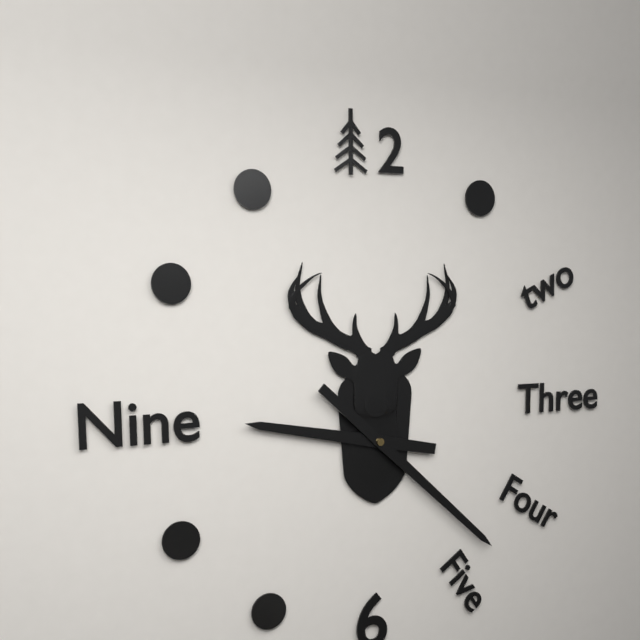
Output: 9h22
